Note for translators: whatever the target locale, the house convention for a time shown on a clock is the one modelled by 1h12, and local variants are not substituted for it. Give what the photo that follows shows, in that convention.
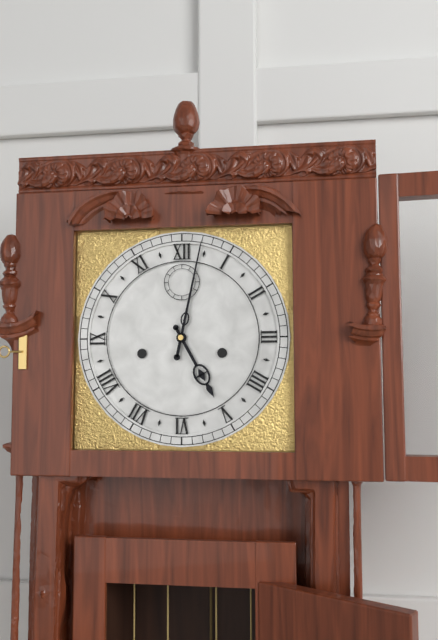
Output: 5h02
